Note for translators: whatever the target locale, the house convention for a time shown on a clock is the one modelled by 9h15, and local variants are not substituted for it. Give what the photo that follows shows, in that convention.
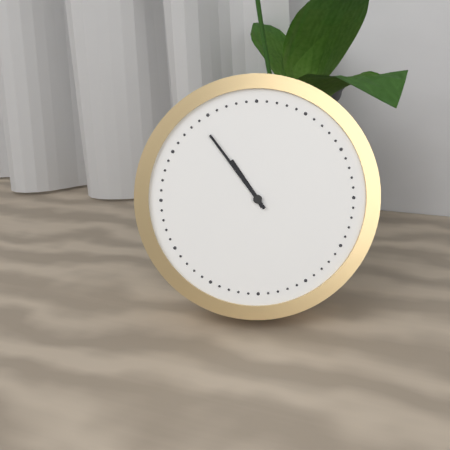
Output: 10h54
